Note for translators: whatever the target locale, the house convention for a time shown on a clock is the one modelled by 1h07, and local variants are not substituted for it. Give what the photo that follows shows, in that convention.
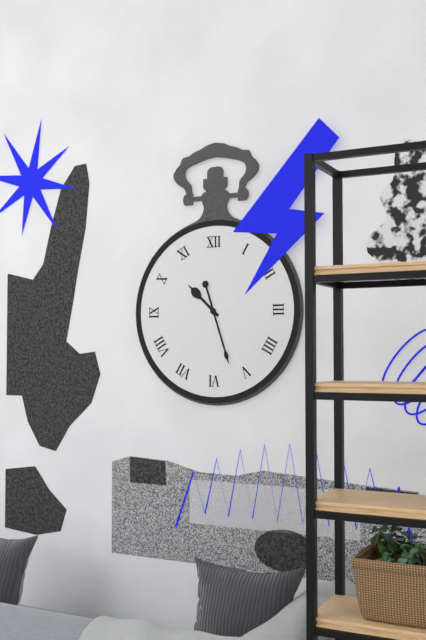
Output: 10h27
